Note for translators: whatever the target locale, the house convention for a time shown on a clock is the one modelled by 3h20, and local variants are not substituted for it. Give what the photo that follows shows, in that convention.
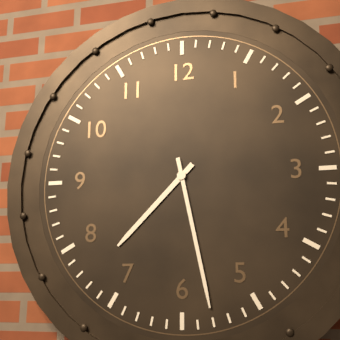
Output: 7h28
